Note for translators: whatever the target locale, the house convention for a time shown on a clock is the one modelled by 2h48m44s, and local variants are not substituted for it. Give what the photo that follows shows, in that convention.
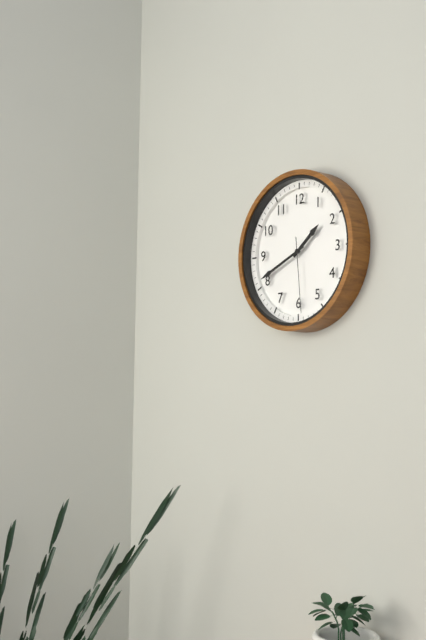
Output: 1h41m29s
